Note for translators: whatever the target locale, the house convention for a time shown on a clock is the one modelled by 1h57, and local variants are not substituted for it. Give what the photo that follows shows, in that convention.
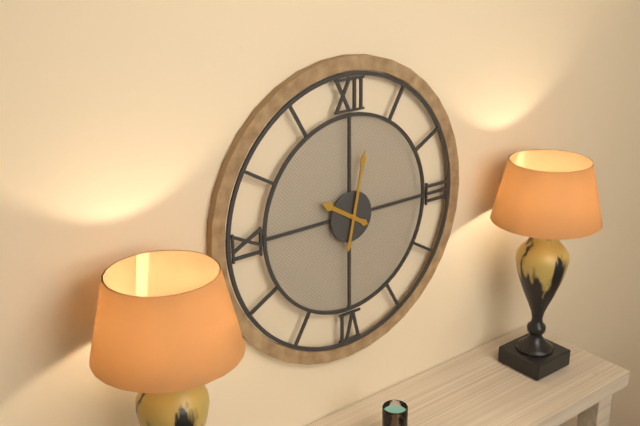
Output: 10h02
